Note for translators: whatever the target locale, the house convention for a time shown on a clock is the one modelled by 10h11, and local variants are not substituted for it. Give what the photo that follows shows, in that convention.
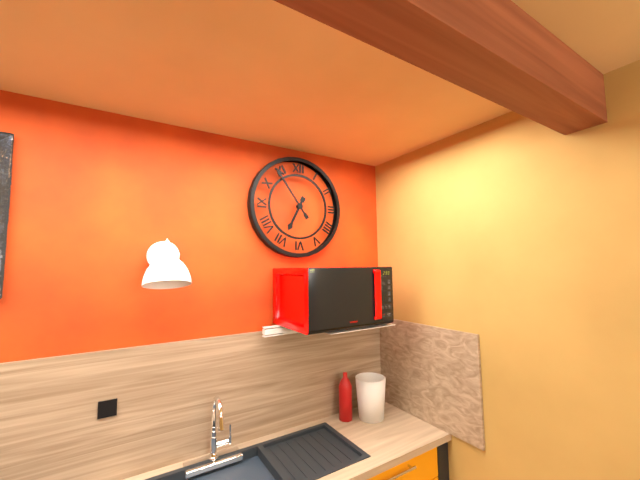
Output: 6h54
